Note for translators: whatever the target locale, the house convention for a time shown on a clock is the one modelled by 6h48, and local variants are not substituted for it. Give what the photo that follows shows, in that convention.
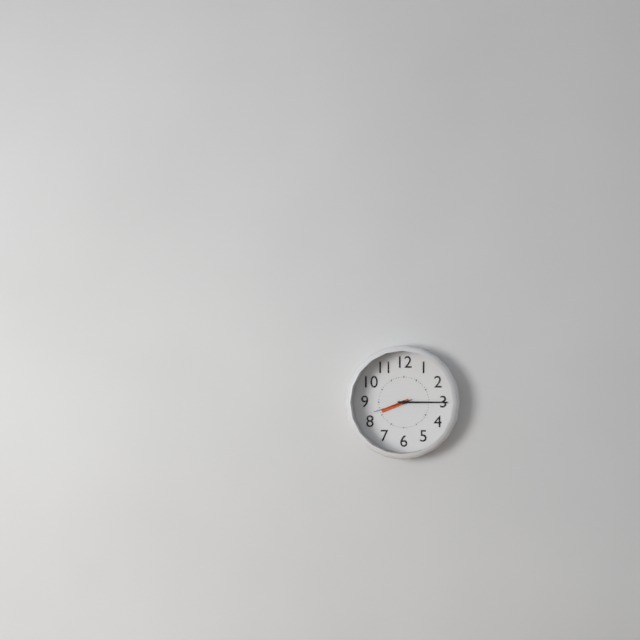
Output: 8h15
